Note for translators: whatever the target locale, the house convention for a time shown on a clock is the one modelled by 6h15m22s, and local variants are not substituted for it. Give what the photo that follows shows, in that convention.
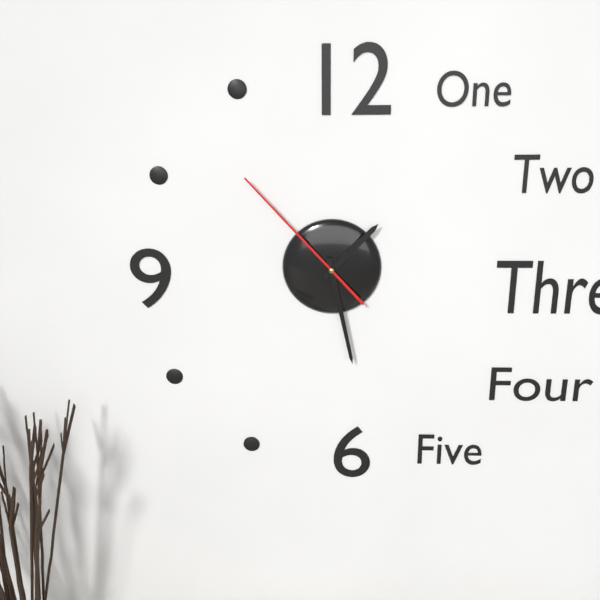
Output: 1h28m53s
